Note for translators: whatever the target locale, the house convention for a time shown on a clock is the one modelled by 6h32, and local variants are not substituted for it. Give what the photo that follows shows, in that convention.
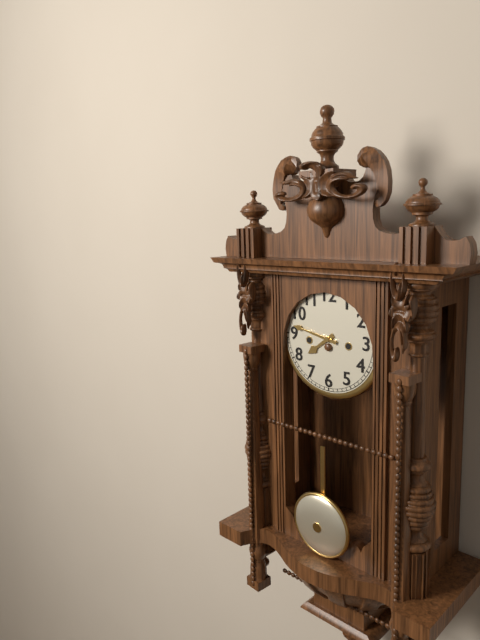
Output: 7h47
